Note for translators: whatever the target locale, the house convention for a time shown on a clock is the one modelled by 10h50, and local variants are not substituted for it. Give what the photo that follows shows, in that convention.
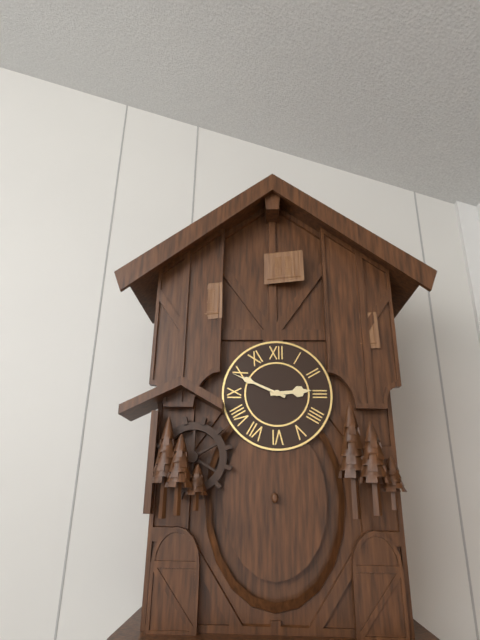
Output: 2h49
